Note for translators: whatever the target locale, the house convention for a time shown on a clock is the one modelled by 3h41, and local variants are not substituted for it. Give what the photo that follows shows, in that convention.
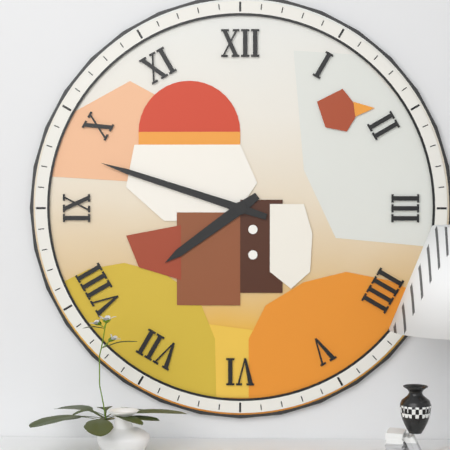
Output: 7h48
